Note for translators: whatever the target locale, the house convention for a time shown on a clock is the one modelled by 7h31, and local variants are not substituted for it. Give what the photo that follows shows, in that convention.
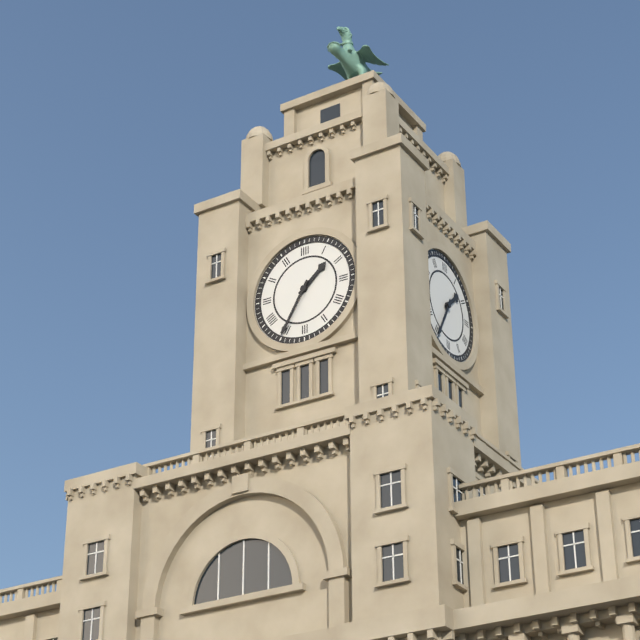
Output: 1h35
